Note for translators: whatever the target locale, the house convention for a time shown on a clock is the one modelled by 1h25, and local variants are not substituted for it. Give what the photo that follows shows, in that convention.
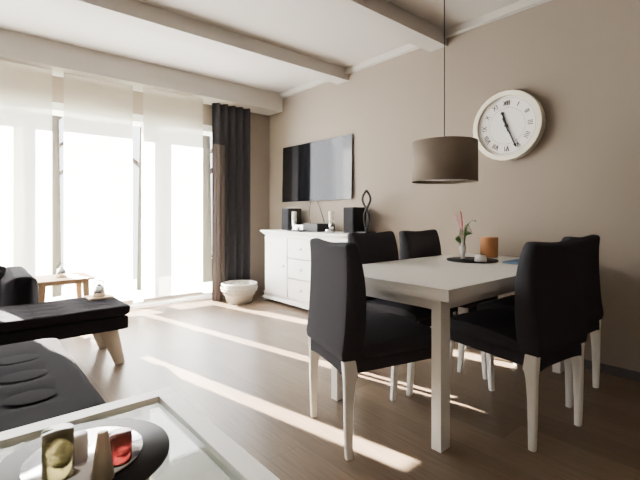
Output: 11h26
